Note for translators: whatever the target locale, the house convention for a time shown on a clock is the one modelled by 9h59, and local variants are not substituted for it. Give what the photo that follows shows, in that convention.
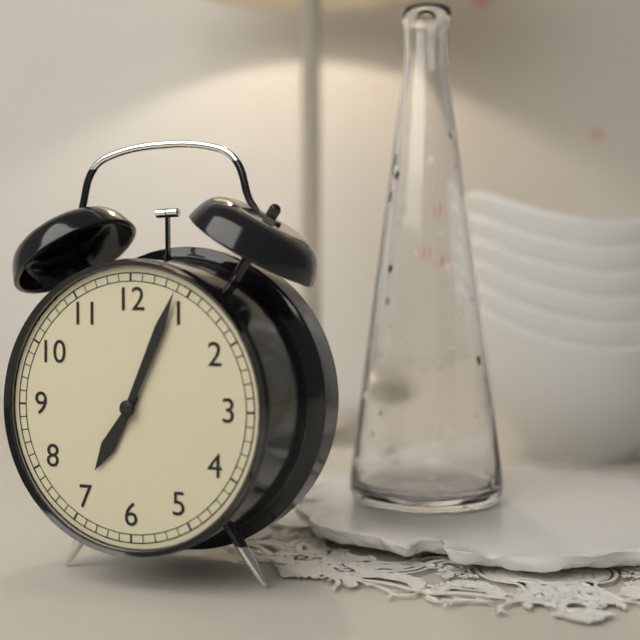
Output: 7h04
